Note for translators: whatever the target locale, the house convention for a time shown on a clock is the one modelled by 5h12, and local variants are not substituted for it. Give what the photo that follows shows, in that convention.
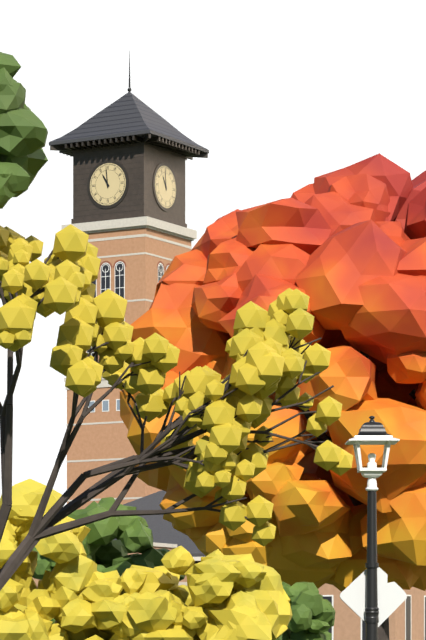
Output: 10h59
